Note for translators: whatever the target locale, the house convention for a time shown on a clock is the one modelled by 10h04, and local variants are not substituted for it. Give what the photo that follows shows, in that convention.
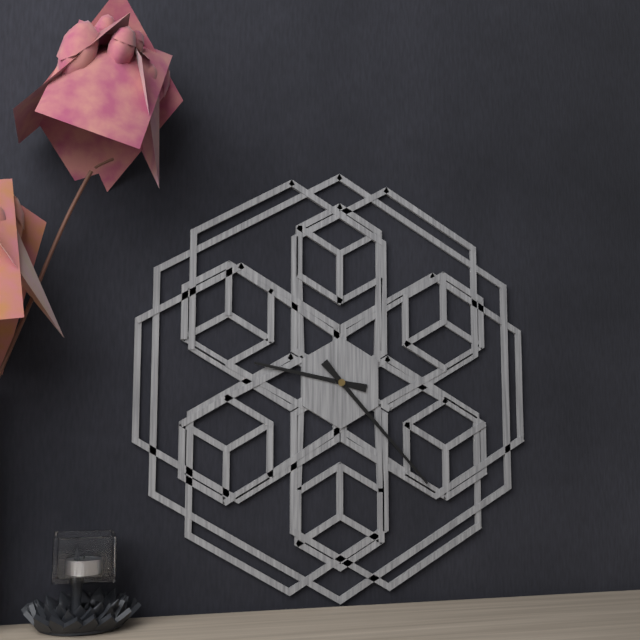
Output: 9h23
